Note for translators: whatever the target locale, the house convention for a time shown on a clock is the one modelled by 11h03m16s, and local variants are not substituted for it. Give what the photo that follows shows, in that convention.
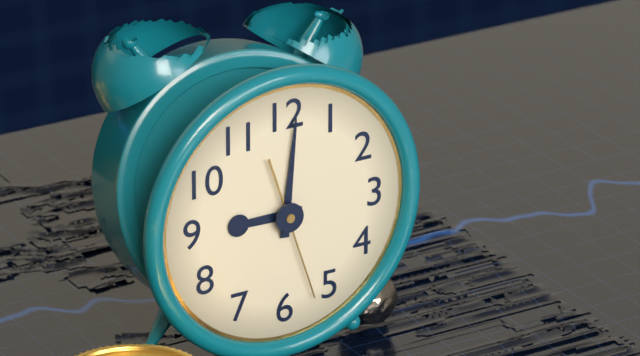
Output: 9h01m27s
